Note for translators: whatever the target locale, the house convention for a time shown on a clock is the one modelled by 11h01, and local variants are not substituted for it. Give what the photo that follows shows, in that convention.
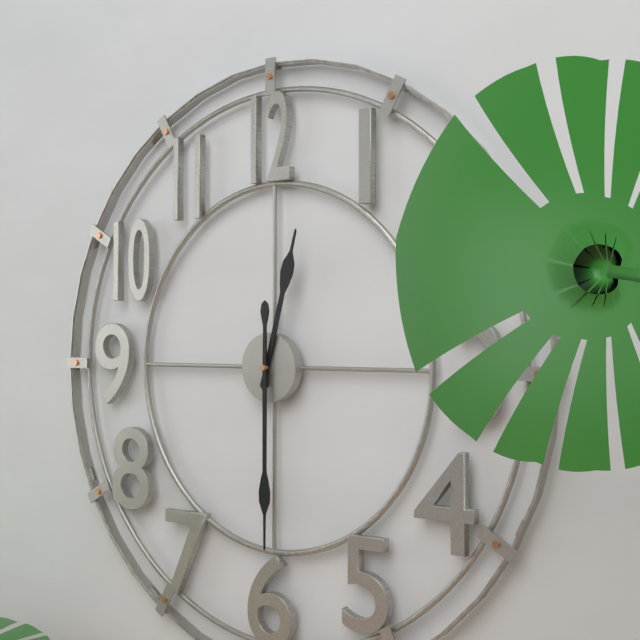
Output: 12h30
